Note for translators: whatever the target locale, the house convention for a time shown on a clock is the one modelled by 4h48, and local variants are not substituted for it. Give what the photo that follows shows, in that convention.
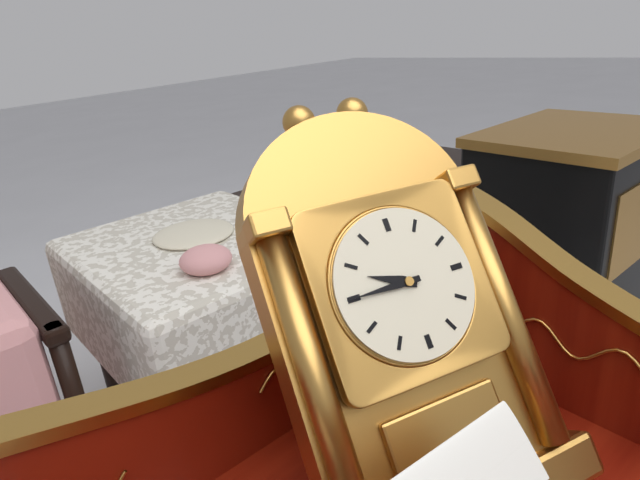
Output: 9h45
